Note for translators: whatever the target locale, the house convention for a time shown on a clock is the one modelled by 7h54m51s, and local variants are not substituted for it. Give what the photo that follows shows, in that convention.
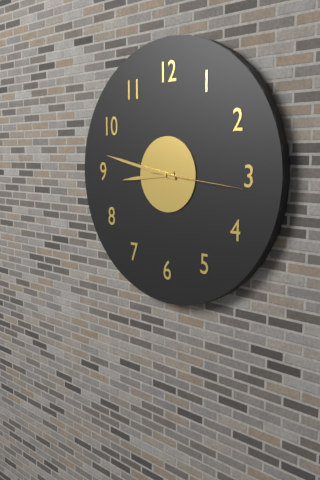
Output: 8h47m16s
